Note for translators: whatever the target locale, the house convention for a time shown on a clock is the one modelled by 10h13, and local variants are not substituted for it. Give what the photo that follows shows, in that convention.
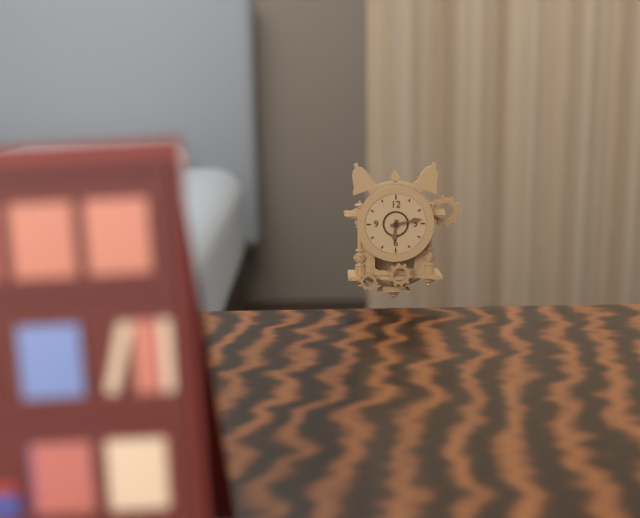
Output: 6h13
